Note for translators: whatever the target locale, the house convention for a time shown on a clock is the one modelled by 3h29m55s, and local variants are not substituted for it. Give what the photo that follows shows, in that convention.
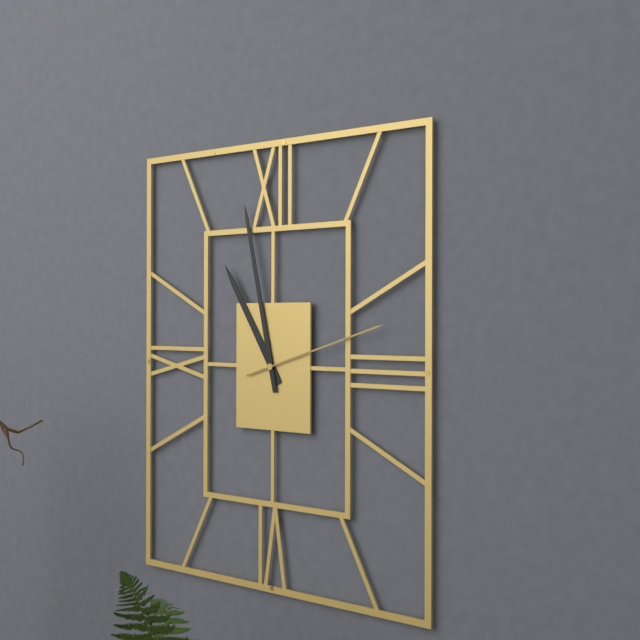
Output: 10h58m12s
